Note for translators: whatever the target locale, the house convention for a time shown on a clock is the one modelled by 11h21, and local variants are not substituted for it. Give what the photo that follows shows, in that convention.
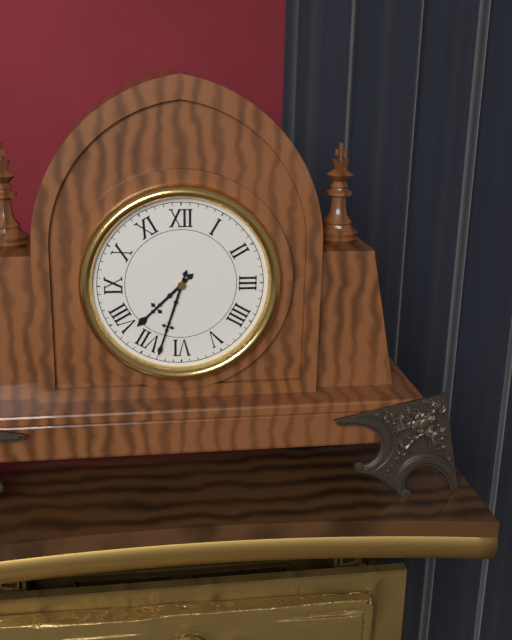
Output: 7h33
